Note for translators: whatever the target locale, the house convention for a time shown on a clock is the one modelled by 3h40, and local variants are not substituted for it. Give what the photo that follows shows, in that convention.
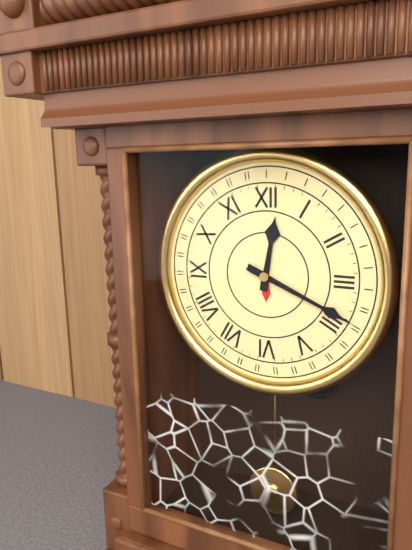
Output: 12h19
